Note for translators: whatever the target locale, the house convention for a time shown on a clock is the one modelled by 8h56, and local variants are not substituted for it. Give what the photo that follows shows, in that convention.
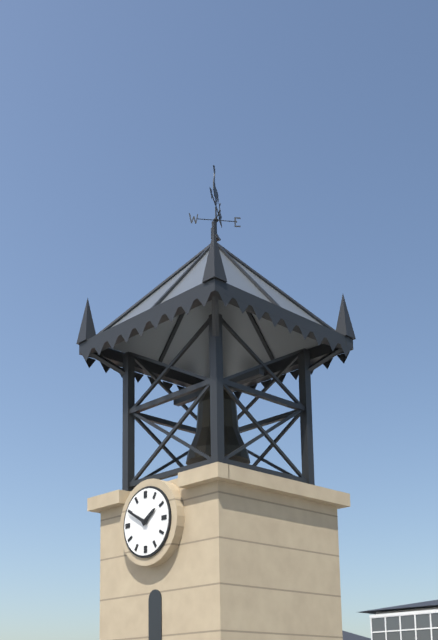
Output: 1h50
